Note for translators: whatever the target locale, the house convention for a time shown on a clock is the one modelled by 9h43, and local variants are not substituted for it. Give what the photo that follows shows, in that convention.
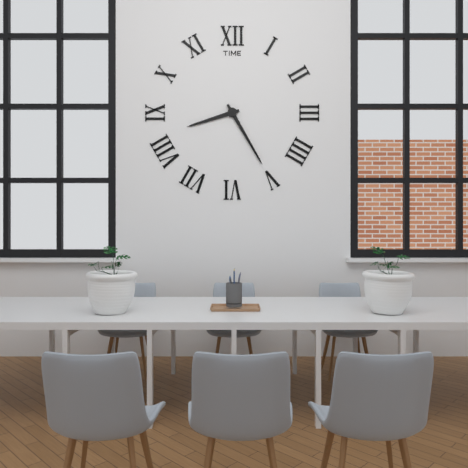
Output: 8h25
